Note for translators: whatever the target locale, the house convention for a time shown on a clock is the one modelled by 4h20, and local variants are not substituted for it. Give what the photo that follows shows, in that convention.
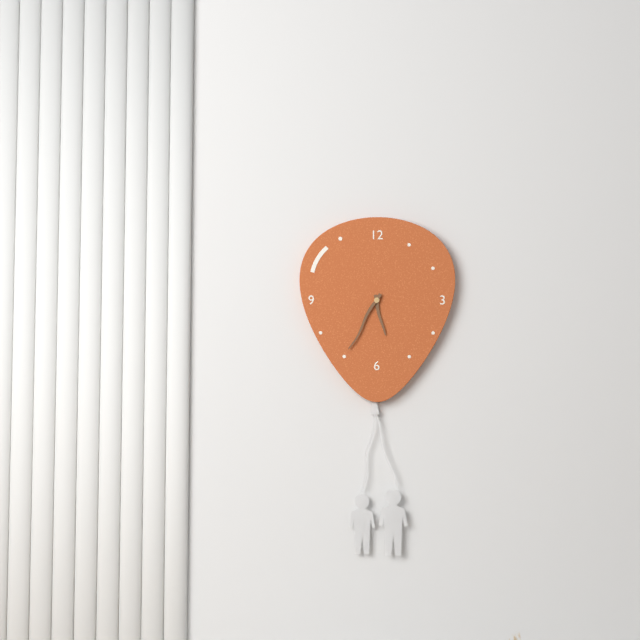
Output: 5h35
